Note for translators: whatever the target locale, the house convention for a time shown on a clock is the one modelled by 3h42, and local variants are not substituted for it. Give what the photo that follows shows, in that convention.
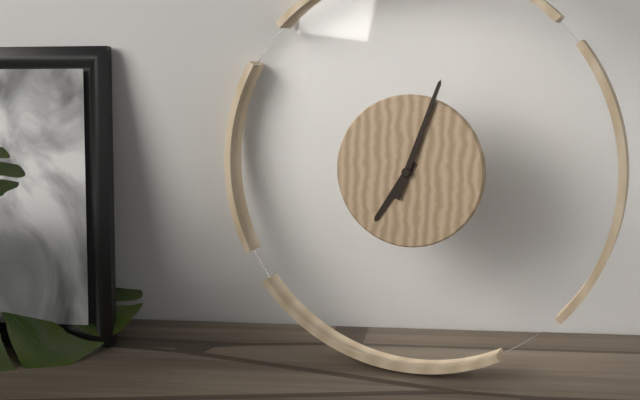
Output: 7h03
